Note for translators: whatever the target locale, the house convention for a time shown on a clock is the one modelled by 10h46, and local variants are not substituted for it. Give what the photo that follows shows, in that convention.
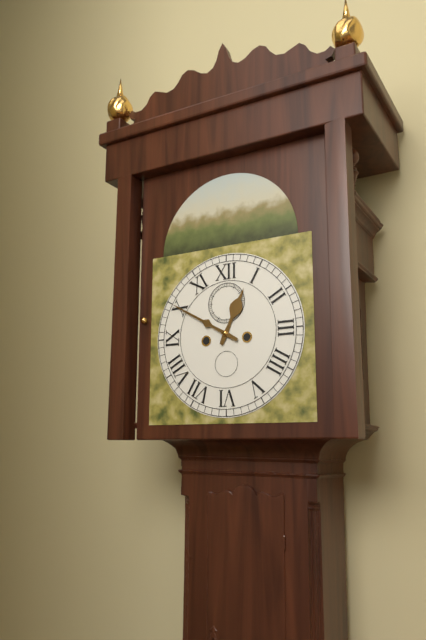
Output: 12h50
